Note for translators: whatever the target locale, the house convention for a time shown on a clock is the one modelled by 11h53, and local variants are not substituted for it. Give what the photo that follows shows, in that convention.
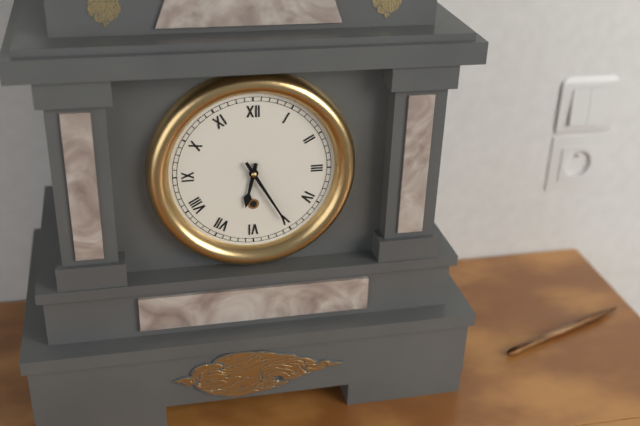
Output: 6h25
